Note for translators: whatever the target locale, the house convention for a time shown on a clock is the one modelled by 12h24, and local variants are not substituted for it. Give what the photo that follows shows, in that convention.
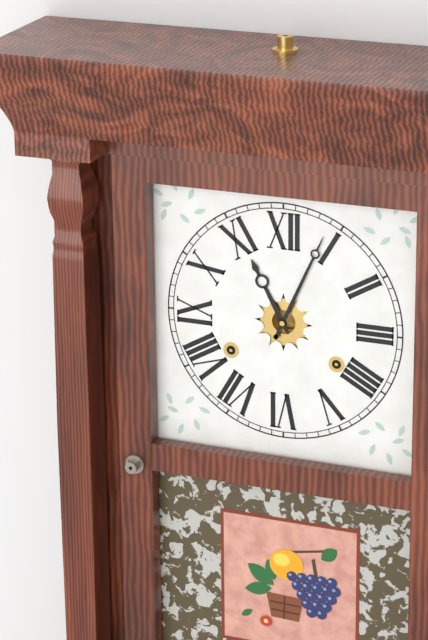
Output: 11h04
